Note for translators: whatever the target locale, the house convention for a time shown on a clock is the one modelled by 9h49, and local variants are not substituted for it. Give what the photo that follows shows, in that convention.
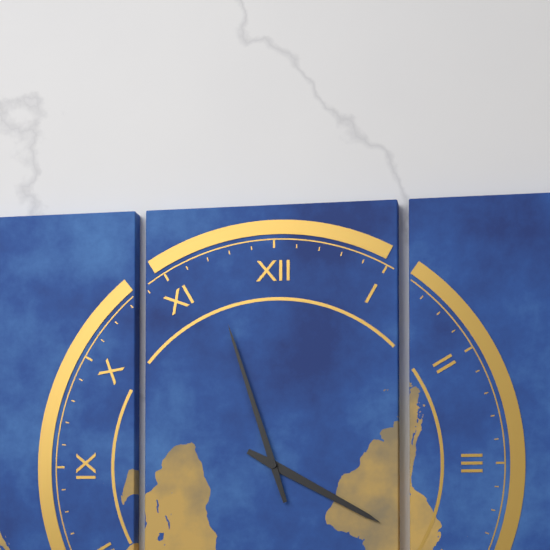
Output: 3h57
